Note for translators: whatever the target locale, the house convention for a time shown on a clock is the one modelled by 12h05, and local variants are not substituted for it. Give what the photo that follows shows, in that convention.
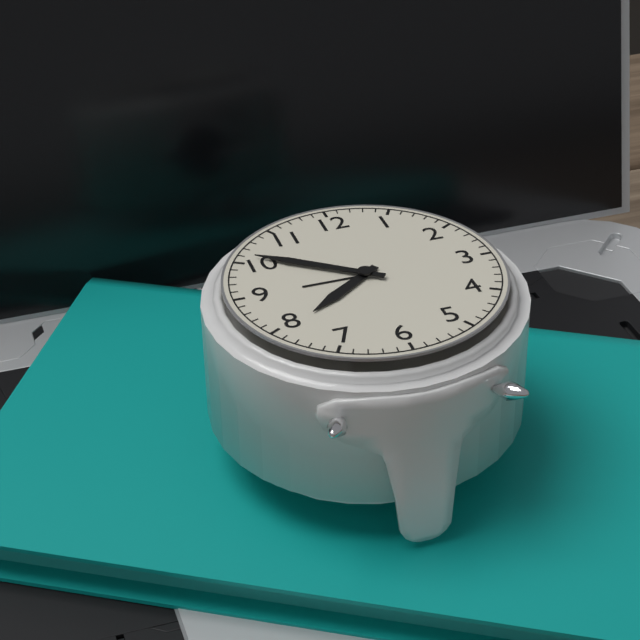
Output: 7h51
